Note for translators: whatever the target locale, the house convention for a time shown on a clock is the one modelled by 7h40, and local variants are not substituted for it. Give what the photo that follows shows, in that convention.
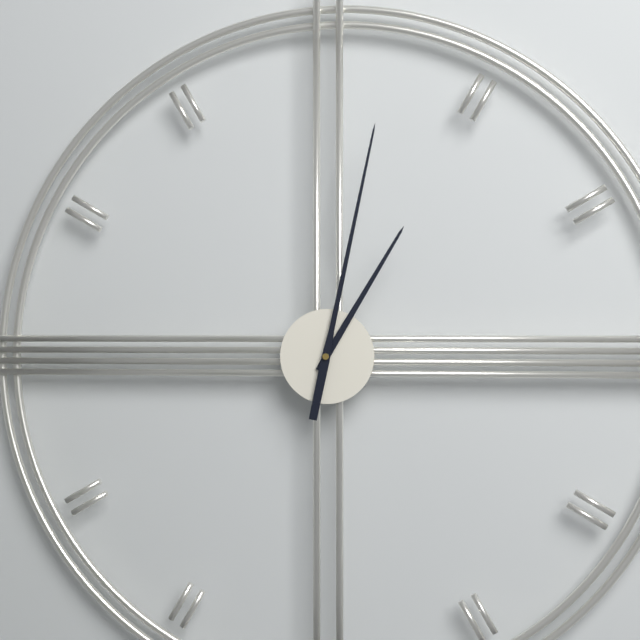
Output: 1h02
